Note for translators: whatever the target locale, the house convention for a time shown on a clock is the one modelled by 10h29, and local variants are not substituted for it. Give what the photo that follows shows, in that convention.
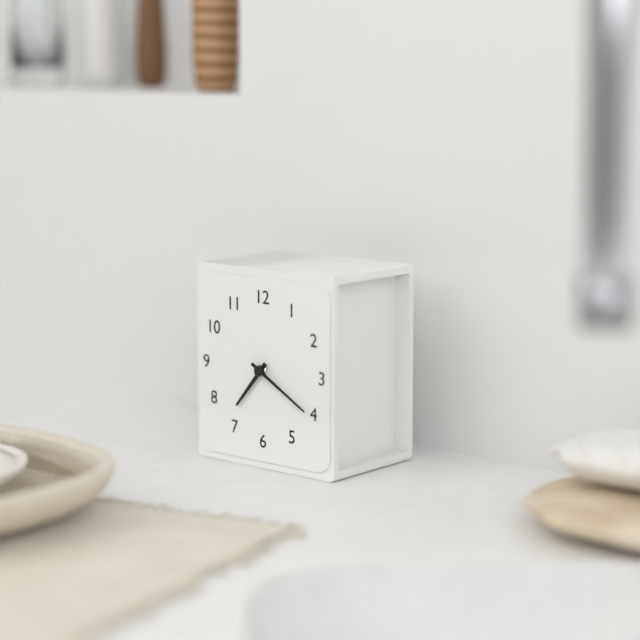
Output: 7h20
